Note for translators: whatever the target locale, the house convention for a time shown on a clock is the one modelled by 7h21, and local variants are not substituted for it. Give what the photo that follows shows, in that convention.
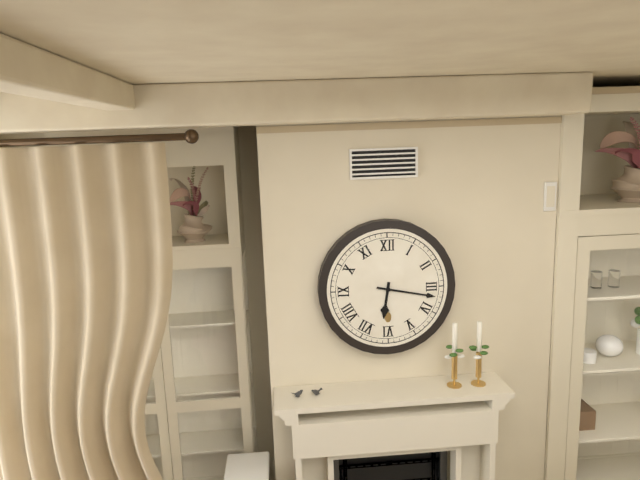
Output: 6h17
